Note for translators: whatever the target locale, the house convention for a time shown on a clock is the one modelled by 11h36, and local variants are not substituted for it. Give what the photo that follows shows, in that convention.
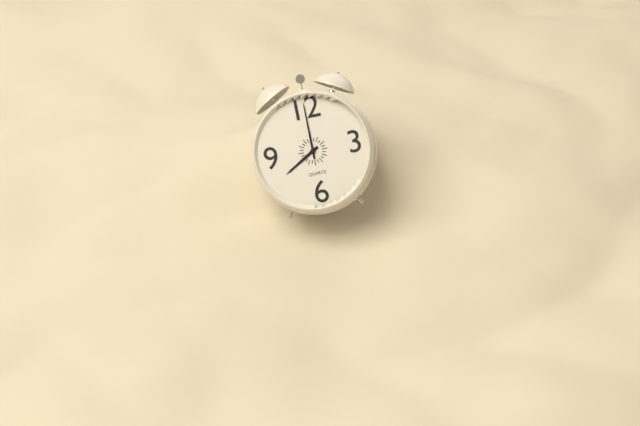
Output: 8h00
